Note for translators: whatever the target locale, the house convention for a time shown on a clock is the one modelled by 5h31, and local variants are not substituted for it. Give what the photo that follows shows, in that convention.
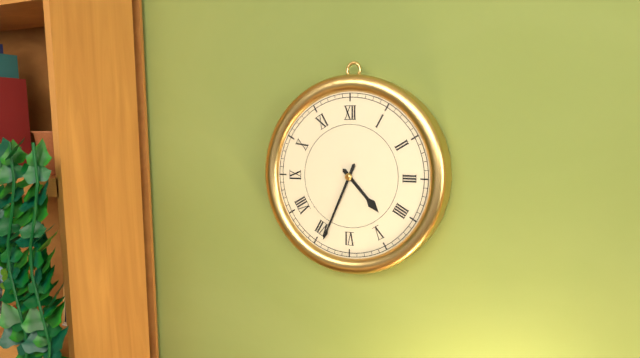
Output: 4h34
